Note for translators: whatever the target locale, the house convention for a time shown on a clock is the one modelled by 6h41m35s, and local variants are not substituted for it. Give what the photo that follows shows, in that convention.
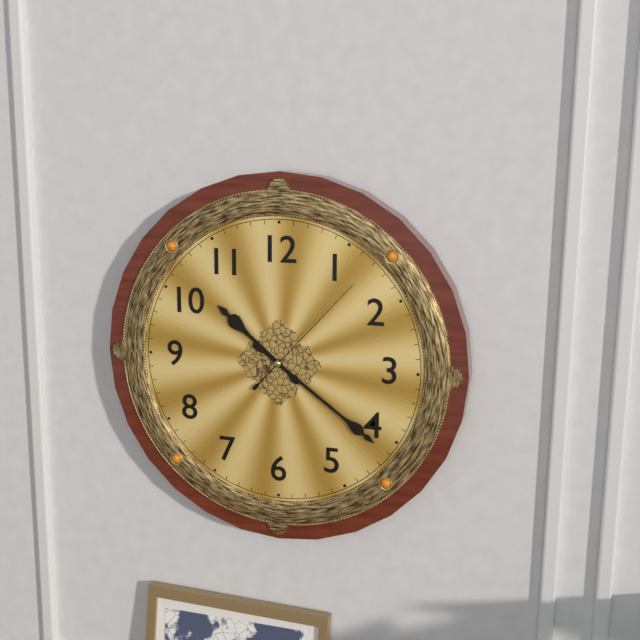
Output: 10h21m07s
